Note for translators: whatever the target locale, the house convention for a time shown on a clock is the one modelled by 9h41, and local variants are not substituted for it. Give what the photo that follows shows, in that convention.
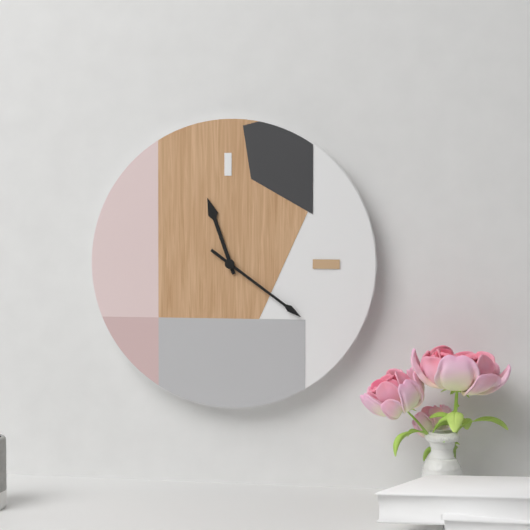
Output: 11h21
